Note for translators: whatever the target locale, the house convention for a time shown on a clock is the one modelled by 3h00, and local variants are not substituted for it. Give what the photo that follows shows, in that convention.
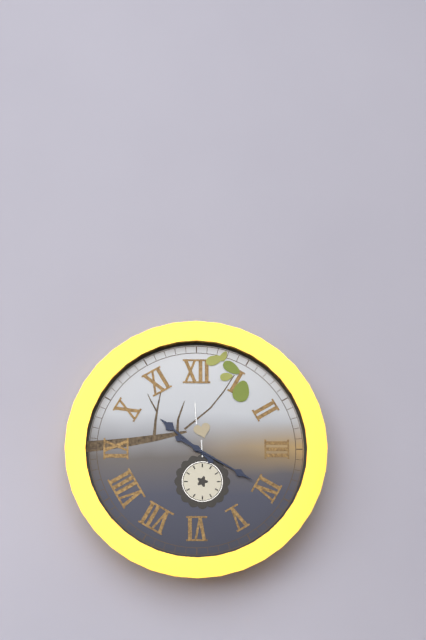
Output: 10h20
